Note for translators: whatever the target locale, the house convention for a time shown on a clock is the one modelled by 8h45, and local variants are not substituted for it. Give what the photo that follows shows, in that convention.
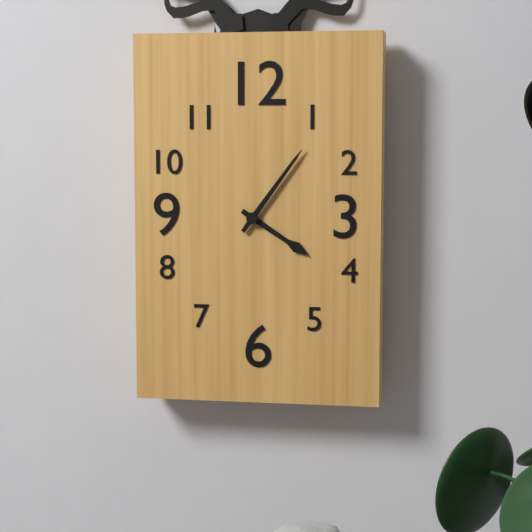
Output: 4h06
